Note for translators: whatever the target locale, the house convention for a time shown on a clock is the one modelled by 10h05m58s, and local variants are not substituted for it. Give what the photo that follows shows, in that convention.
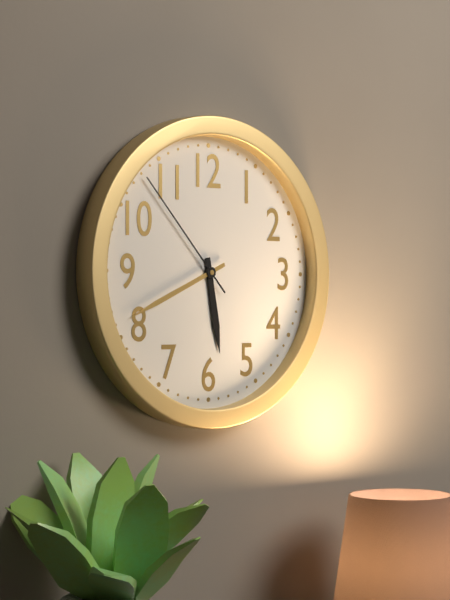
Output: 5h41m53s
